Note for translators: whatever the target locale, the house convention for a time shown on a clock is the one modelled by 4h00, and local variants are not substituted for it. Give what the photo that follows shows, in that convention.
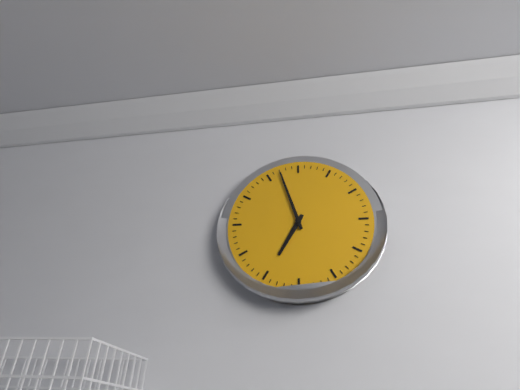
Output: 6h57
